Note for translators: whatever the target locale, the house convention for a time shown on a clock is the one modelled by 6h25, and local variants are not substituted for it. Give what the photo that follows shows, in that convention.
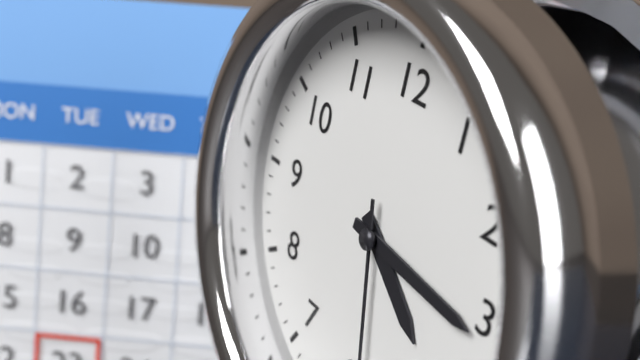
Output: 4h16
